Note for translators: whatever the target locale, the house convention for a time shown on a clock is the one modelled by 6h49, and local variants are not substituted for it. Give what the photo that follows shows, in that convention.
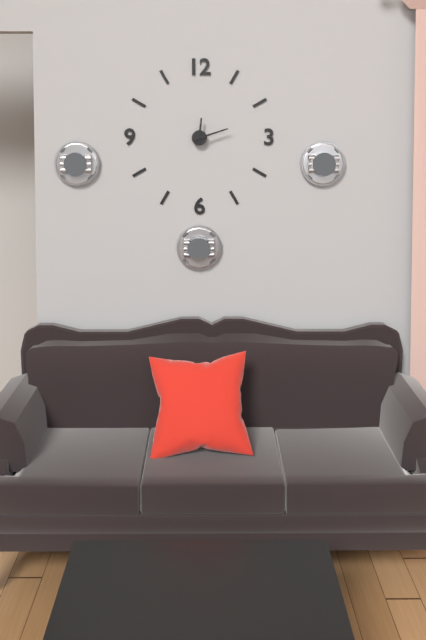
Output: 12h12
